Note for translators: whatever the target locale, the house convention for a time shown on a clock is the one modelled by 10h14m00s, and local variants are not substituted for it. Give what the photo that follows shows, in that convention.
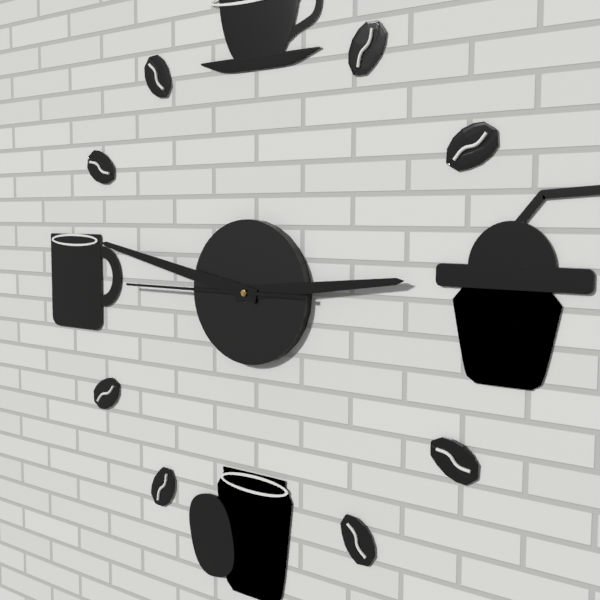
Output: 2h47m45s
